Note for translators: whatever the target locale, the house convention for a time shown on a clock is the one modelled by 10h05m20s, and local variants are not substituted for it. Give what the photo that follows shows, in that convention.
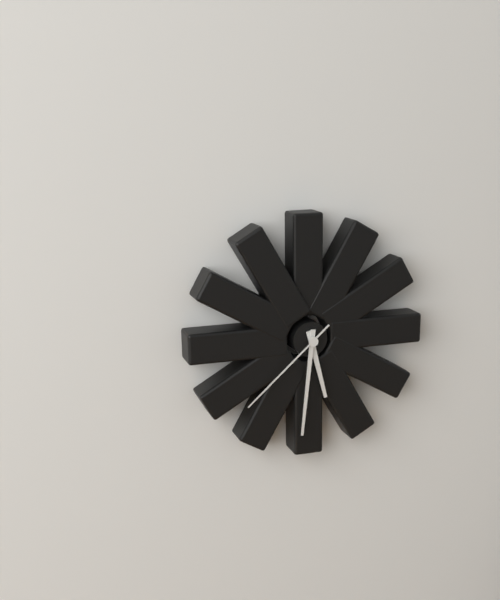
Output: 5h31m38s
